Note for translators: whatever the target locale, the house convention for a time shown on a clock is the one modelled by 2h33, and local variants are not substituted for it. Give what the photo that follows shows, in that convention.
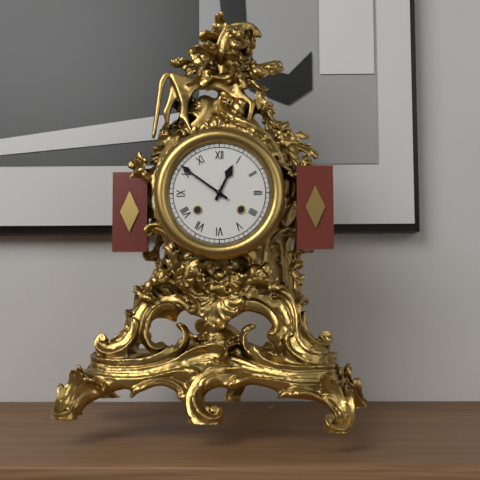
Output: 12h51
